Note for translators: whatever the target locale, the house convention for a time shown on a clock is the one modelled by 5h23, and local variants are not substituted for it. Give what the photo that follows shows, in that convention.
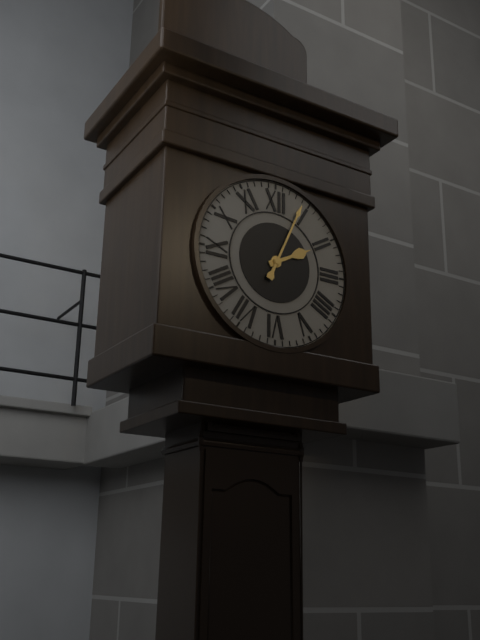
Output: 2h04
